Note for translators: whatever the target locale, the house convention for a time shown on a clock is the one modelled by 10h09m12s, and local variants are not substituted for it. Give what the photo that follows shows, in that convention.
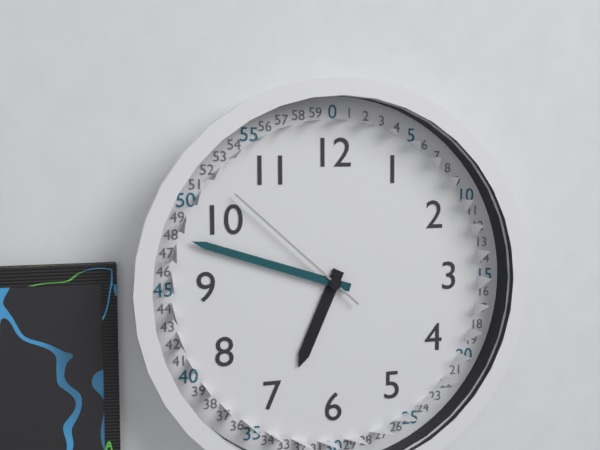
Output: 6h48m52s
